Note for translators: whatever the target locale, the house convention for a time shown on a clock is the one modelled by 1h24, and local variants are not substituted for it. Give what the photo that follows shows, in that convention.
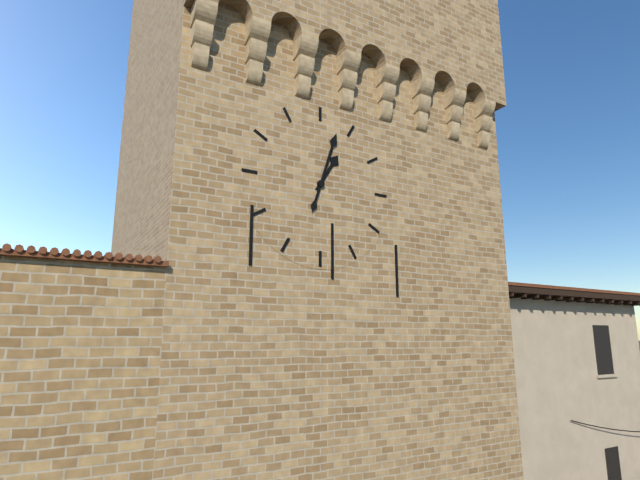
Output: 1h03
